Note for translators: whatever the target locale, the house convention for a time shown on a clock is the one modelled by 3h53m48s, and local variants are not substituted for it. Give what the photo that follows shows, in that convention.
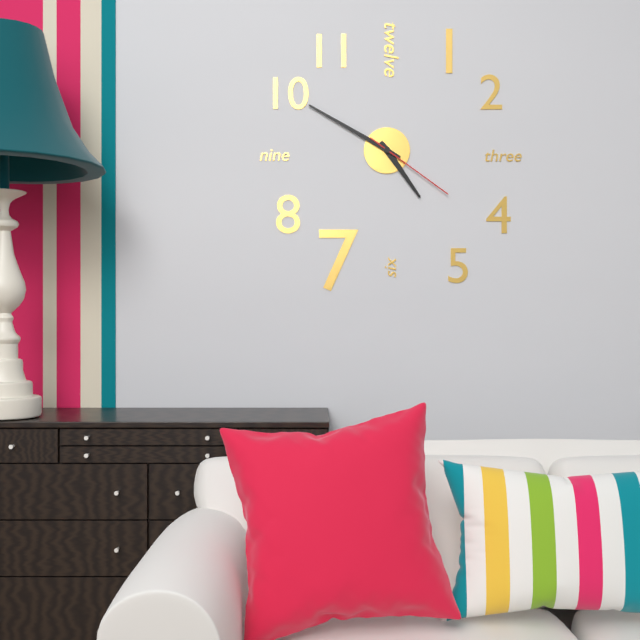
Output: 4h50m21s
